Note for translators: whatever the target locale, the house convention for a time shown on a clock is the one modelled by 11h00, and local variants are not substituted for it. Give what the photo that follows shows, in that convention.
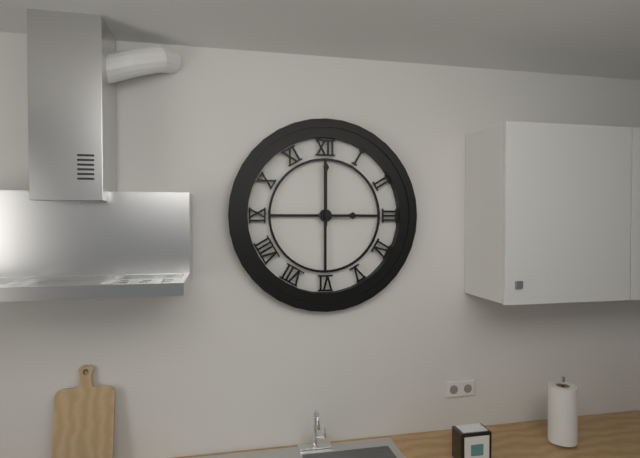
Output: 3h00
